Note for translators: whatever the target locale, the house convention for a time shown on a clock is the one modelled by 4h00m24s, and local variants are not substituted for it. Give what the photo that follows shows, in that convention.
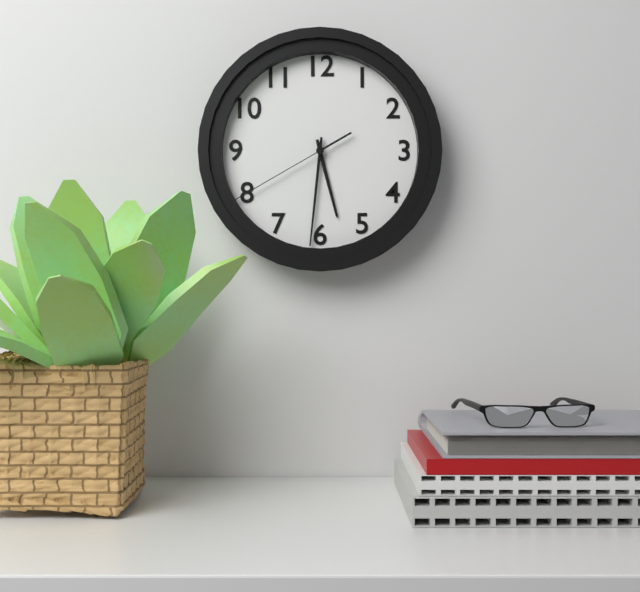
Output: 5h31m40s
